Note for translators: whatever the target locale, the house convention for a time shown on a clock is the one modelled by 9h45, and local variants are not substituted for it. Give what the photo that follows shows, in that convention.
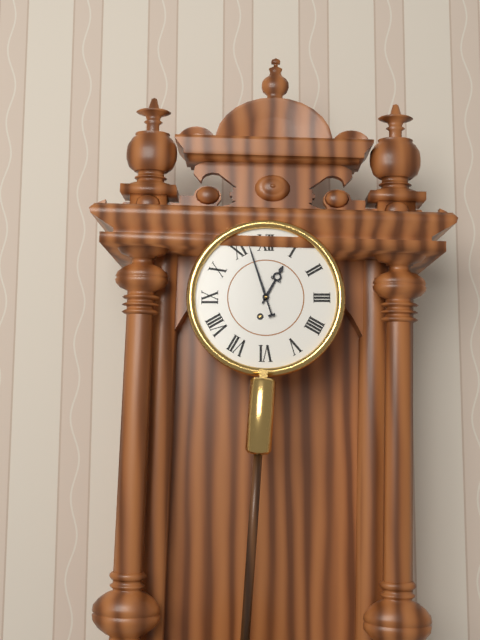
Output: 12h57
